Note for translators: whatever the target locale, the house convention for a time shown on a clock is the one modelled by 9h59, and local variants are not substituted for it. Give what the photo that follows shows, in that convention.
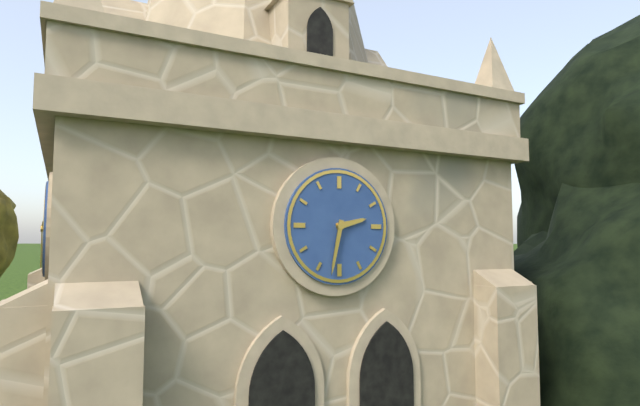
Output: 2h32
